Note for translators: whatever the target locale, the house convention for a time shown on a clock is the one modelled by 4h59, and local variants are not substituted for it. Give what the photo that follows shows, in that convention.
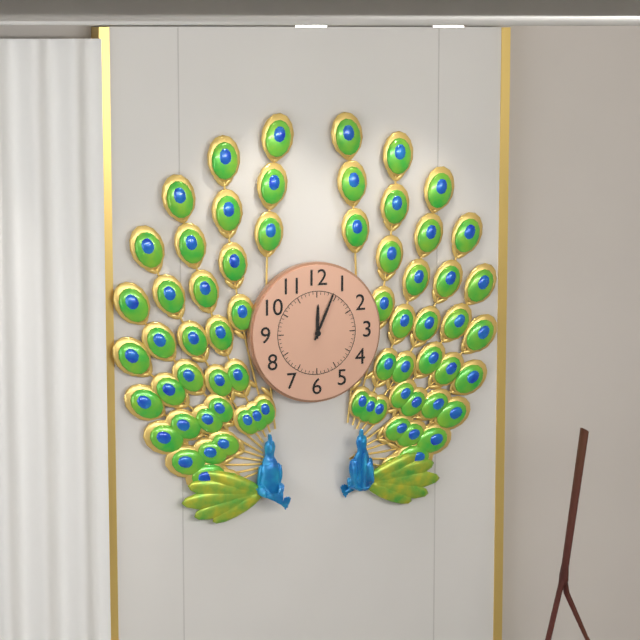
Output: 12h04
